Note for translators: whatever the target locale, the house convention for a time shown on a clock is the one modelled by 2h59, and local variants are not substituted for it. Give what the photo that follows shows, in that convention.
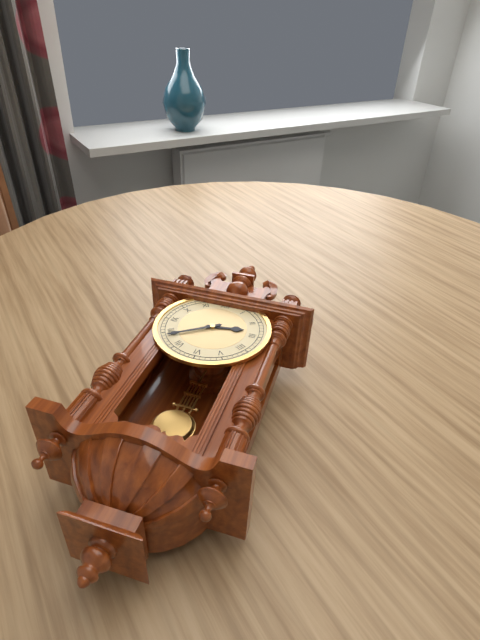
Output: 2h39
